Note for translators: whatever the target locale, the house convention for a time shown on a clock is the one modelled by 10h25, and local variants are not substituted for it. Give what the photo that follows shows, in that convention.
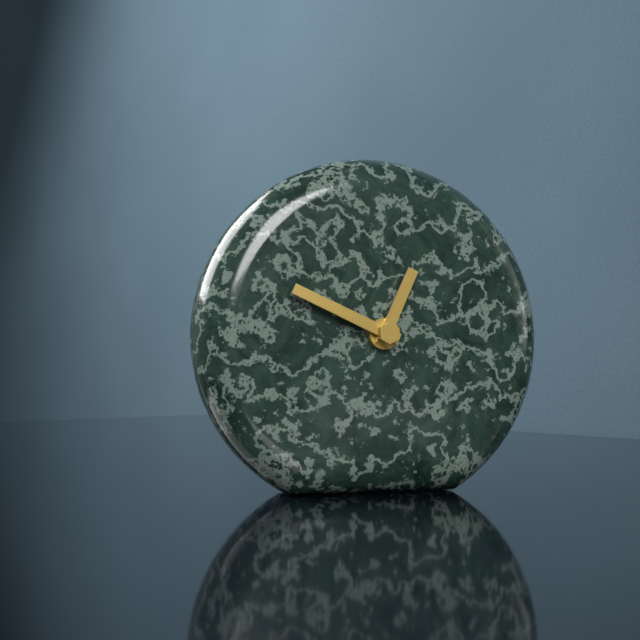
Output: 12h49
